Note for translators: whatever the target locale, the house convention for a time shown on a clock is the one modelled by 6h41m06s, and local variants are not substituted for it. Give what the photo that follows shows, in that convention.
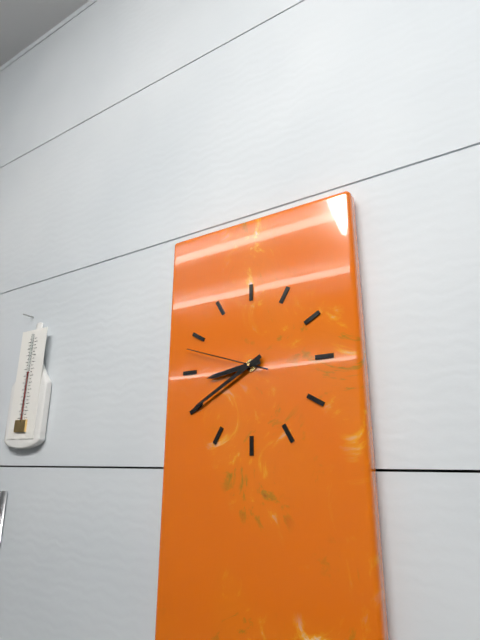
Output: 8h40m48s
